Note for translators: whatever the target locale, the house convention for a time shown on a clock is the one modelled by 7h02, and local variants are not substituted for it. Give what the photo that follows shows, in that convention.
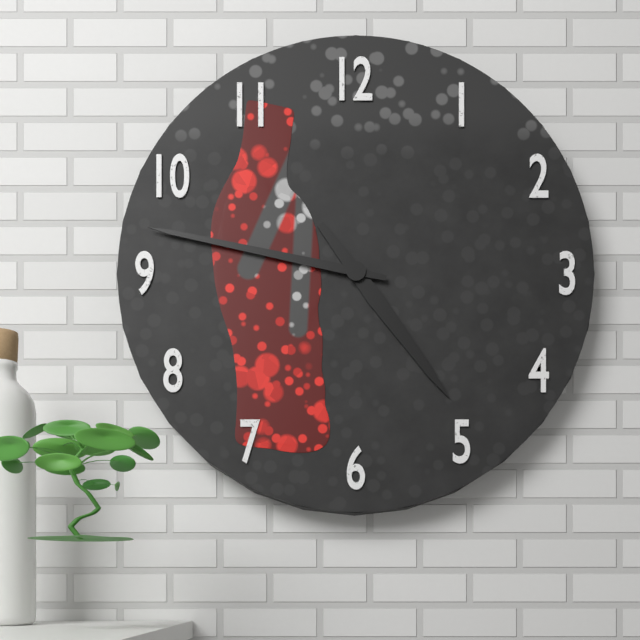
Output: 4h47
